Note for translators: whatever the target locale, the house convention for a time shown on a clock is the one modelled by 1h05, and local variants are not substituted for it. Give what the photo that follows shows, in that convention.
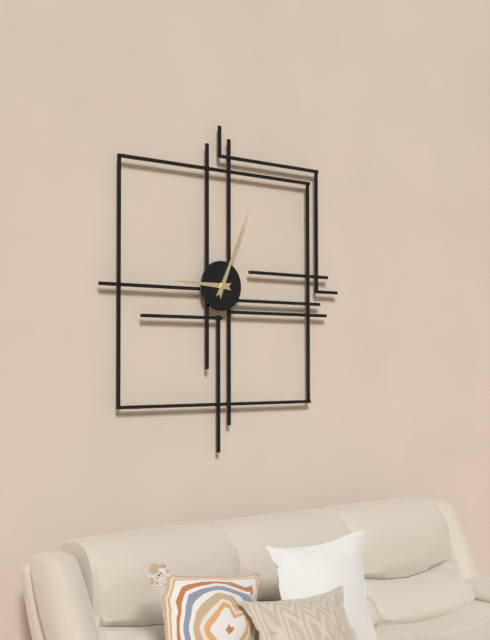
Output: 9h04
